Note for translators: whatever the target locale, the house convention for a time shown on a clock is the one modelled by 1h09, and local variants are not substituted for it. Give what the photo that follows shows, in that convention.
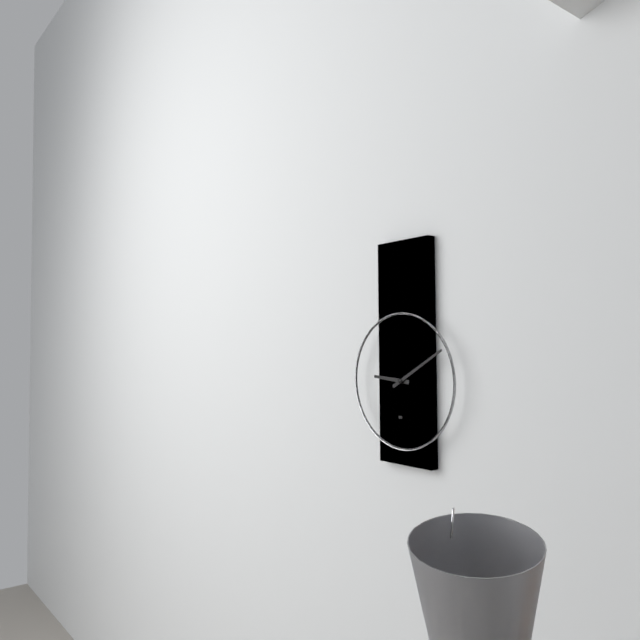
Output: 9h10
